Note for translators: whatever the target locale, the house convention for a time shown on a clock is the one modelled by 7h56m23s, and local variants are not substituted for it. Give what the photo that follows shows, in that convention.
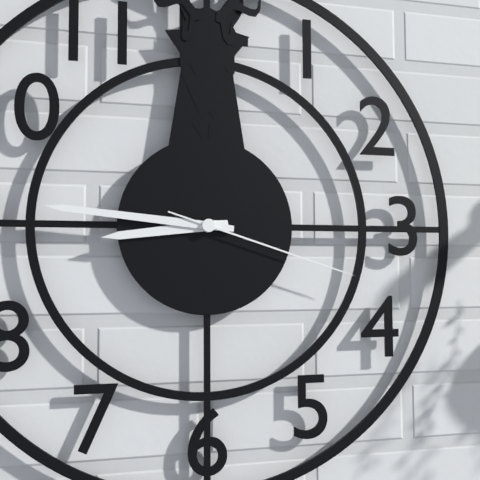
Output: 8h46m18s
